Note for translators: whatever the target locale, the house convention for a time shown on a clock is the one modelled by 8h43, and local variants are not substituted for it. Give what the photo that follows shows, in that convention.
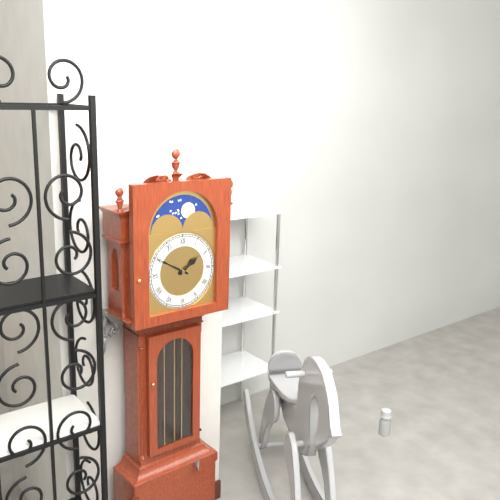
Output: 1h50
